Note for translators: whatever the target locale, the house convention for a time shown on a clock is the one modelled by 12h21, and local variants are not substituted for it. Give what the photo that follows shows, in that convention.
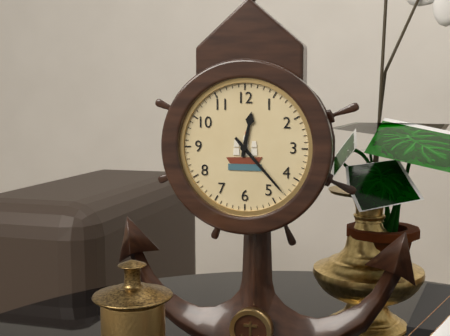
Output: 12h23
